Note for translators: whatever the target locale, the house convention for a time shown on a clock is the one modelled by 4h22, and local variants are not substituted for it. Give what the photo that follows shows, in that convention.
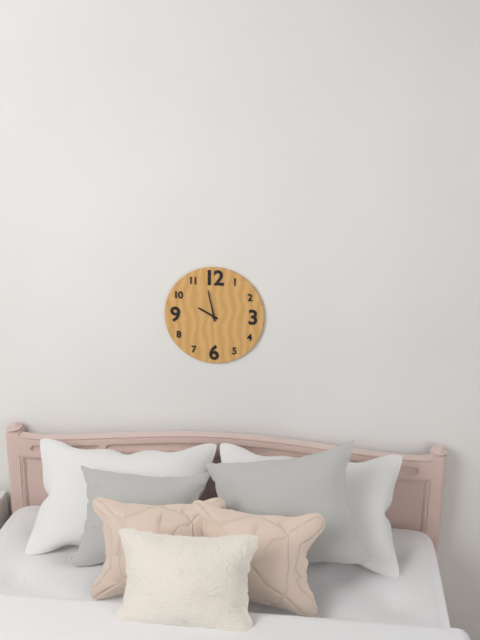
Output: 9h58
